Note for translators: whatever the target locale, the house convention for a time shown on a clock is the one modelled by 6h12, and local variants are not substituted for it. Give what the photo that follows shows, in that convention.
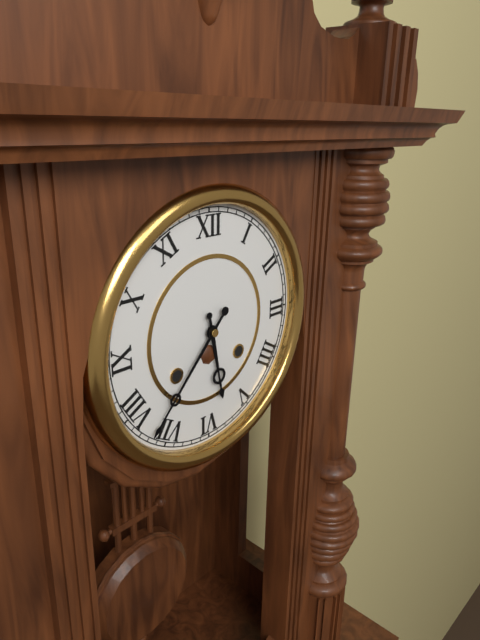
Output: 5h37
